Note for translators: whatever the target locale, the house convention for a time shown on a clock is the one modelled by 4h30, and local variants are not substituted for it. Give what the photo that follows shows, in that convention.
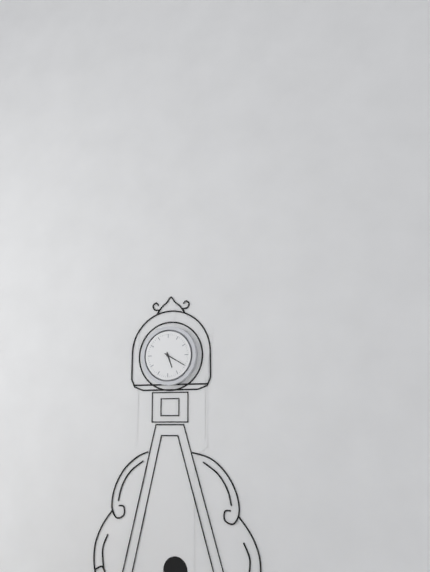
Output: 5h20
